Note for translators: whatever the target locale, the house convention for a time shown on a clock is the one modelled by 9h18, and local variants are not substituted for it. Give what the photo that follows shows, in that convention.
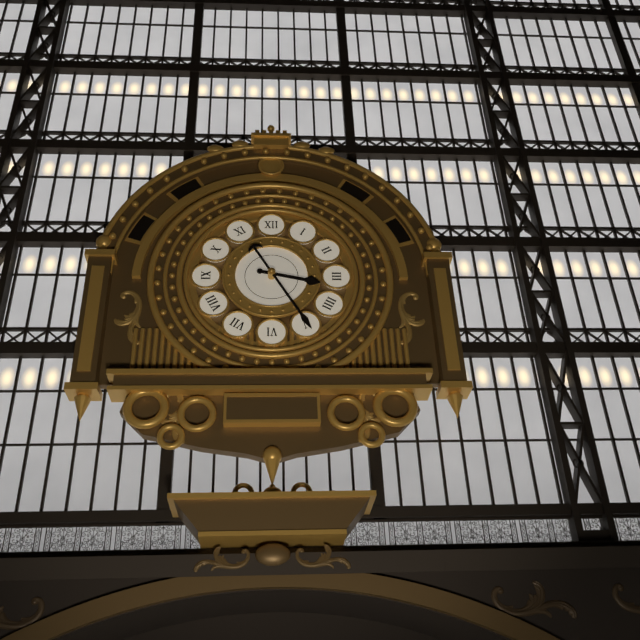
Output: 3h25
